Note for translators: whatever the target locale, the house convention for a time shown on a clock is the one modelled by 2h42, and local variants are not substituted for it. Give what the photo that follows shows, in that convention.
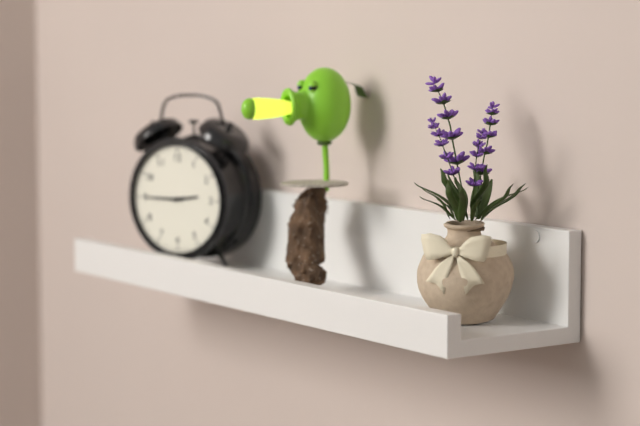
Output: 2h45
